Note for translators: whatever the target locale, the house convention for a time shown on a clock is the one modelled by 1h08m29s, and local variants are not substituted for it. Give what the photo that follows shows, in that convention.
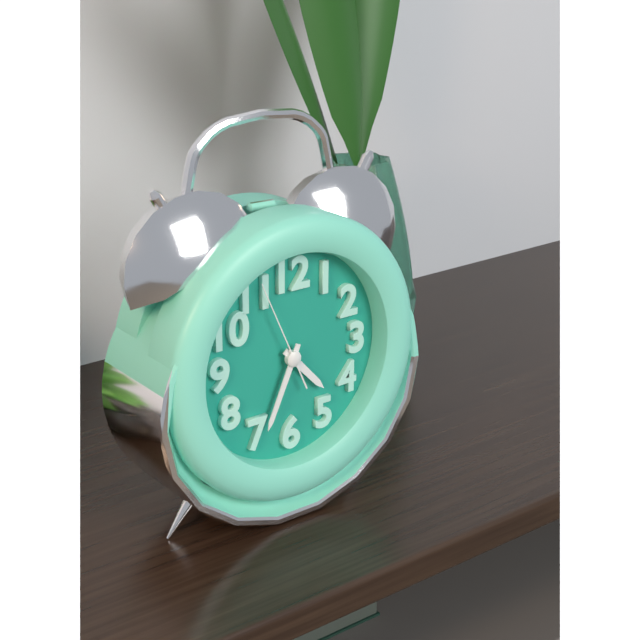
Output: 4h34m56s
